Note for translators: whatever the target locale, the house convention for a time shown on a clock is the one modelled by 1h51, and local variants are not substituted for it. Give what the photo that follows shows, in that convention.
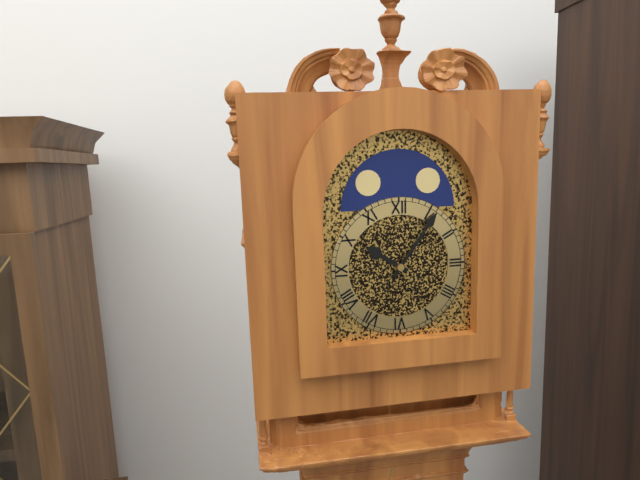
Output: 10h06
